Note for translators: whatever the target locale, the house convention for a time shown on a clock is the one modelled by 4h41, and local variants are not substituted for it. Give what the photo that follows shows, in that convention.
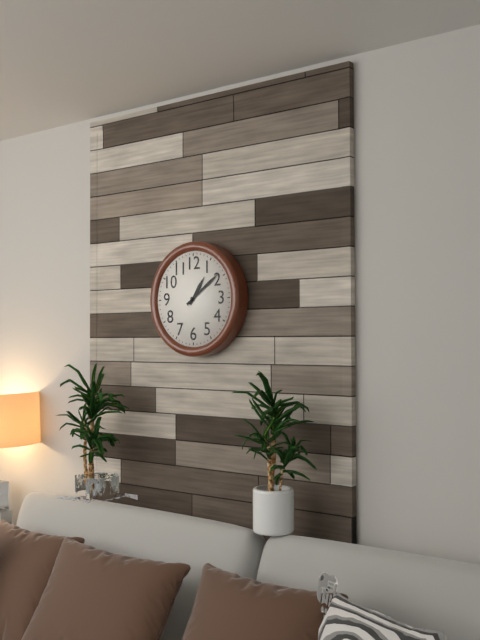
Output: 1h09
